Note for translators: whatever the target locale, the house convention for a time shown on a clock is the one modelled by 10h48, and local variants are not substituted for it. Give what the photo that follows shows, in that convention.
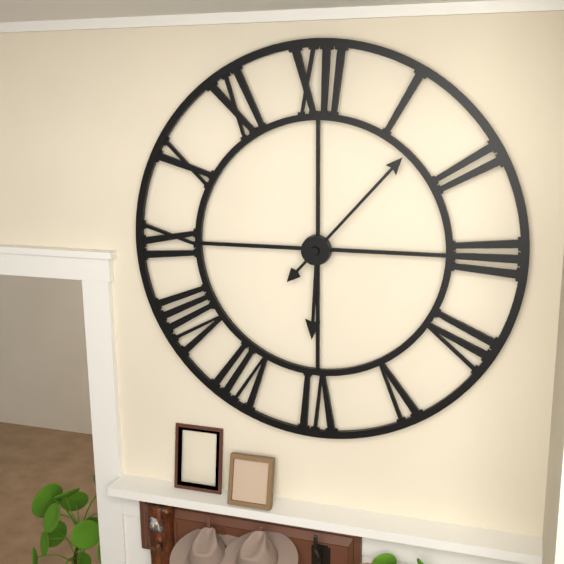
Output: 6h07
